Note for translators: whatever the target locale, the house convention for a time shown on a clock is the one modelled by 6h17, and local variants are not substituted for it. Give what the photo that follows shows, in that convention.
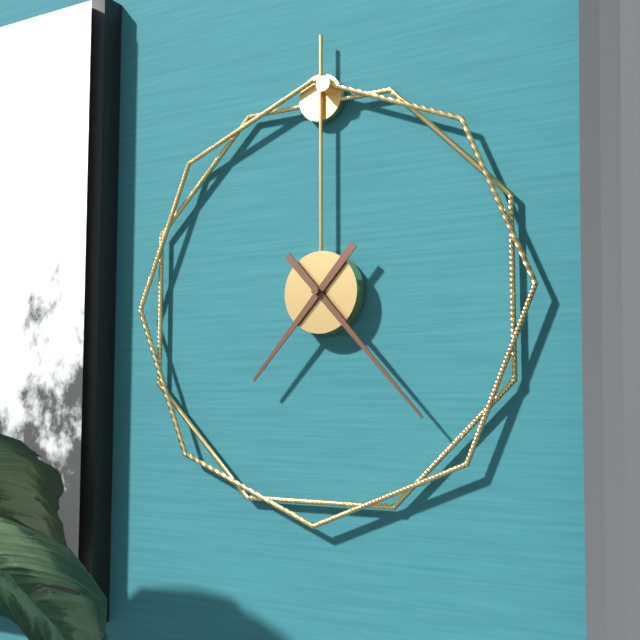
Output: 7h23
